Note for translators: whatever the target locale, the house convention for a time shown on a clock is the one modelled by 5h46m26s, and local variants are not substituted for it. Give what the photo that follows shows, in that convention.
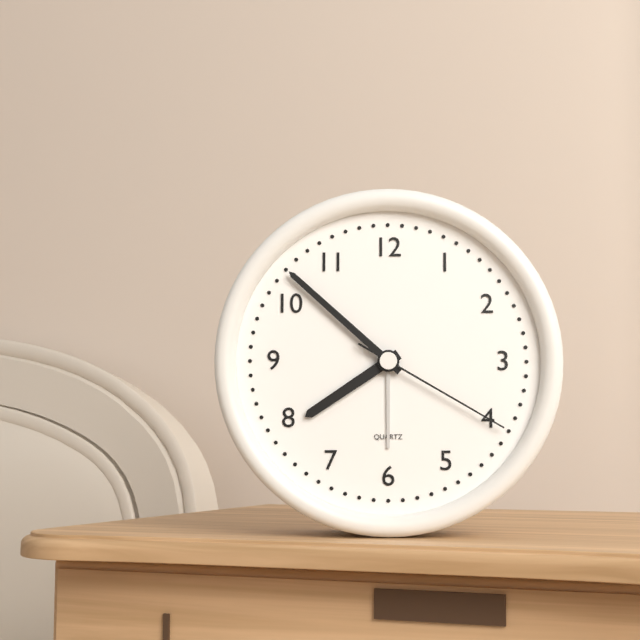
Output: 7h52m20s
